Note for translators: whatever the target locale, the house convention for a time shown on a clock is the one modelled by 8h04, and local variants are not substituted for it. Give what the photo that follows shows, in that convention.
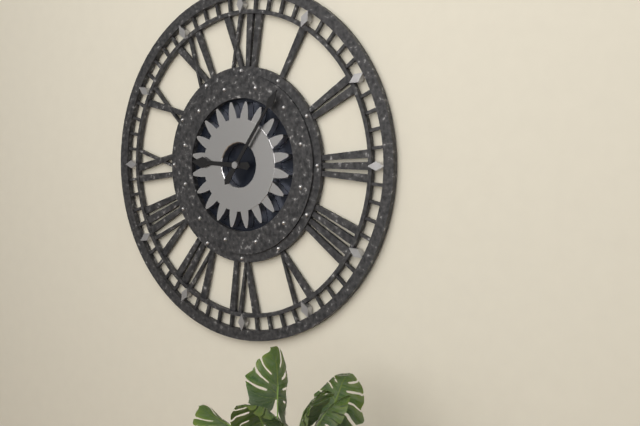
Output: 9h06
